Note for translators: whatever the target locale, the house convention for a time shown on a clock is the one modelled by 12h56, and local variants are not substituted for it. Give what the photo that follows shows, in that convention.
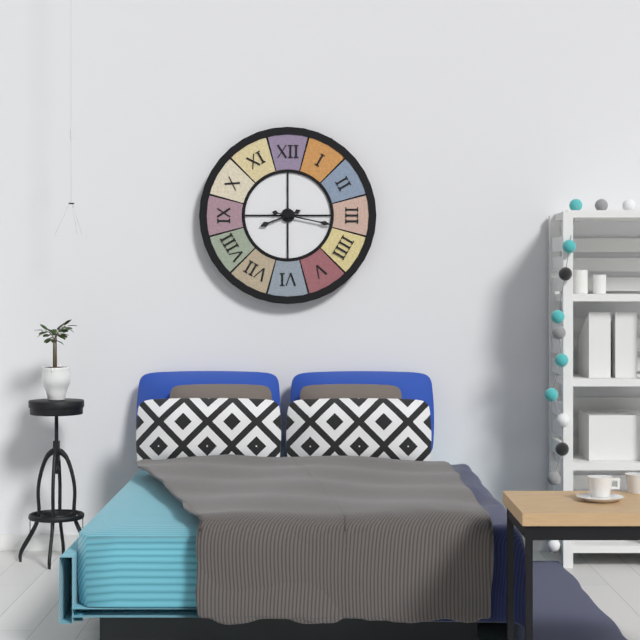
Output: 8h17
